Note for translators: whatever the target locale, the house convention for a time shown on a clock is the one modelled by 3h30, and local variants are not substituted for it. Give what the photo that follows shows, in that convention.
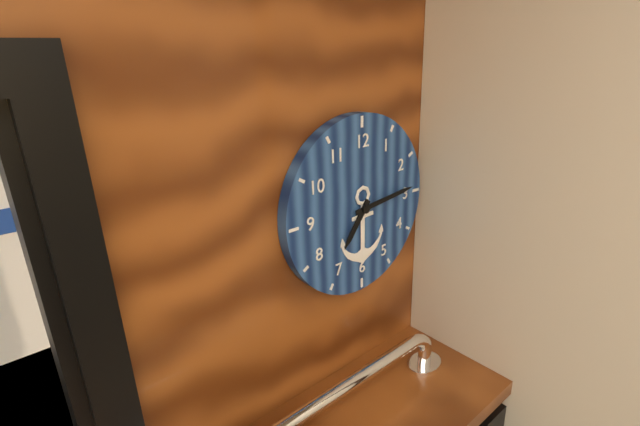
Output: 7h14
